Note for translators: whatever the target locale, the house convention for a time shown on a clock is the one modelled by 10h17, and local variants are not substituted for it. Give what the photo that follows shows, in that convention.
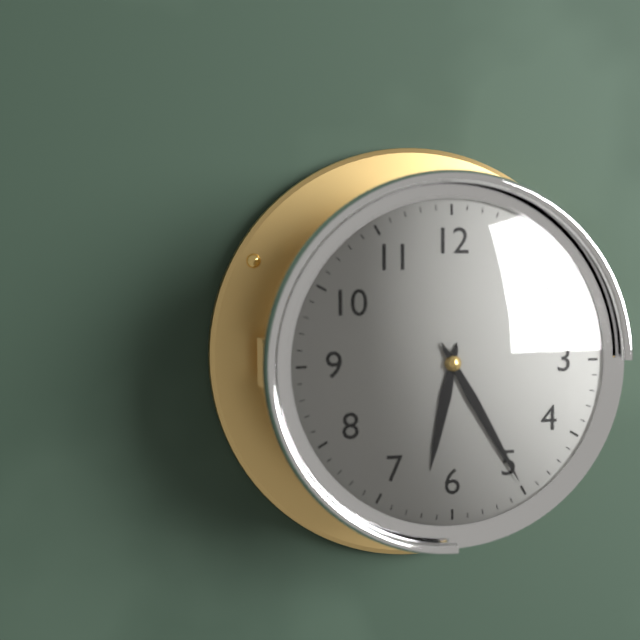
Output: 6h25
